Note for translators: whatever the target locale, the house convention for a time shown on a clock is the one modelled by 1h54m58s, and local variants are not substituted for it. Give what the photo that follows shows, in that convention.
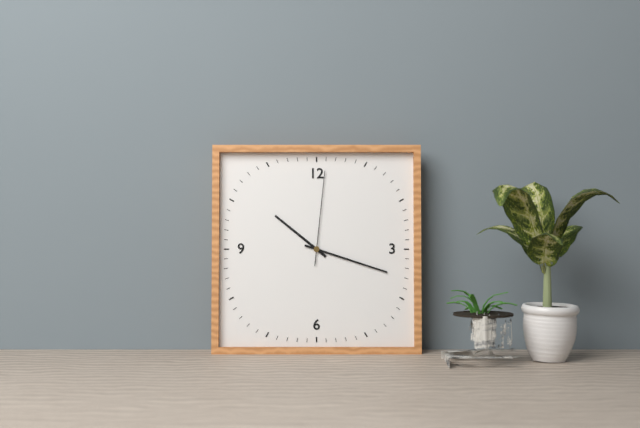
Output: 10h18m01s
